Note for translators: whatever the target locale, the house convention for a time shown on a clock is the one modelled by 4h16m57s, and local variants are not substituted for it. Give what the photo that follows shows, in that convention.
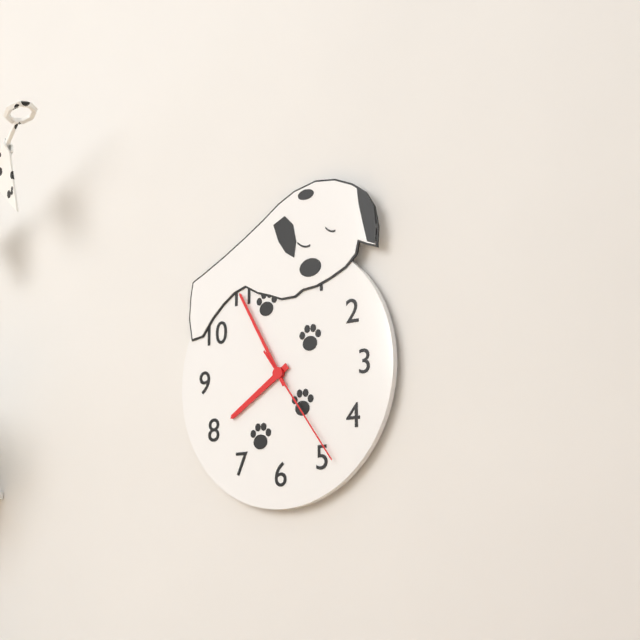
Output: 7h55m24s
